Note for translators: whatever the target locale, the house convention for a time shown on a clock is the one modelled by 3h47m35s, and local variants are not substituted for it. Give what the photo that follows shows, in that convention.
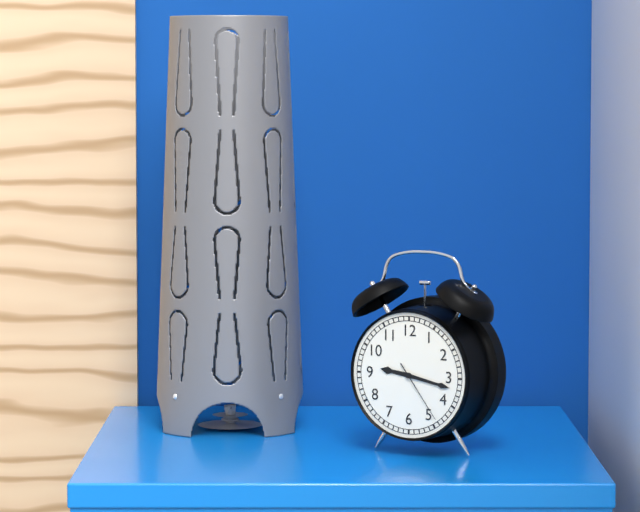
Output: 9h17m24s
